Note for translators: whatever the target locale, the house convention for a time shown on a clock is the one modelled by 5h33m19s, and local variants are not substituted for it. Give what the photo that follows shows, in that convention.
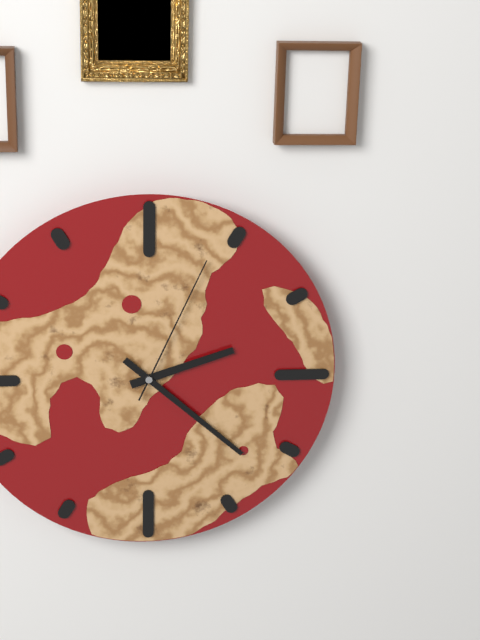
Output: 2h22m04s
